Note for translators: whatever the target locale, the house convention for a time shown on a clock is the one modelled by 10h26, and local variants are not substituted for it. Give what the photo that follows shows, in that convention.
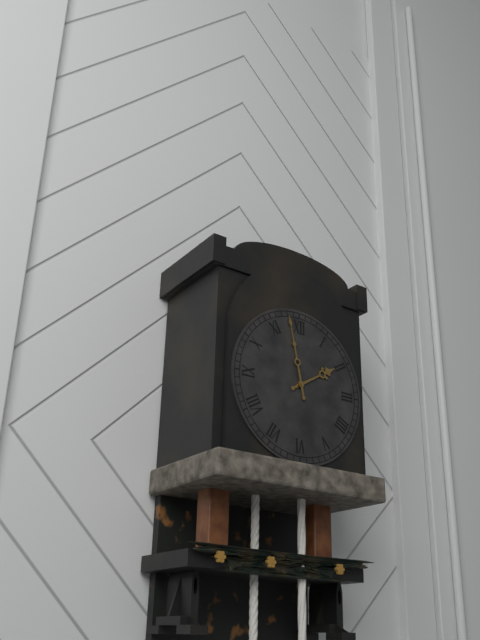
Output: 1h58
